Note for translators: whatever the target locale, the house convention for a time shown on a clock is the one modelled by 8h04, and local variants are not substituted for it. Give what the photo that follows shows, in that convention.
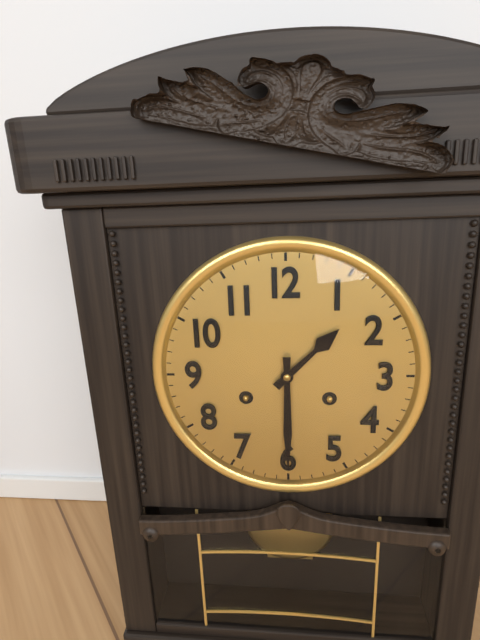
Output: 1h30
